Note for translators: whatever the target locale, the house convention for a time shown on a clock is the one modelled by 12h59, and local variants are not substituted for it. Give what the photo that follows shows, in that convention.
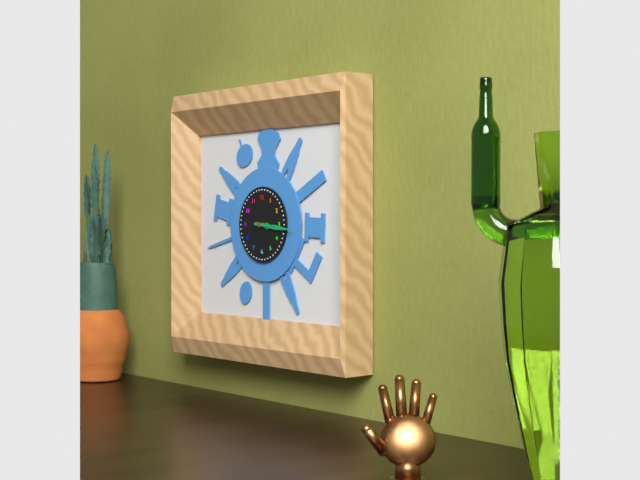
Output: 3h16
